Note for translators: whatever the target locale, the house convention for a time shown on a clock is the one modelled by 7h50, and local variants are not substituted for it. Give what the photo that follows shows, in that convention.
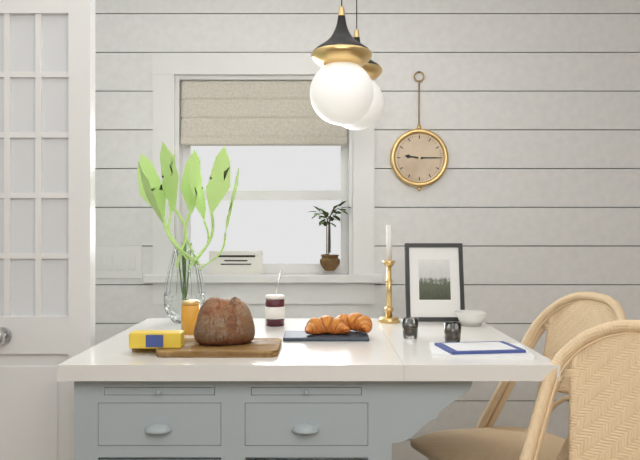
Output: 9h15
